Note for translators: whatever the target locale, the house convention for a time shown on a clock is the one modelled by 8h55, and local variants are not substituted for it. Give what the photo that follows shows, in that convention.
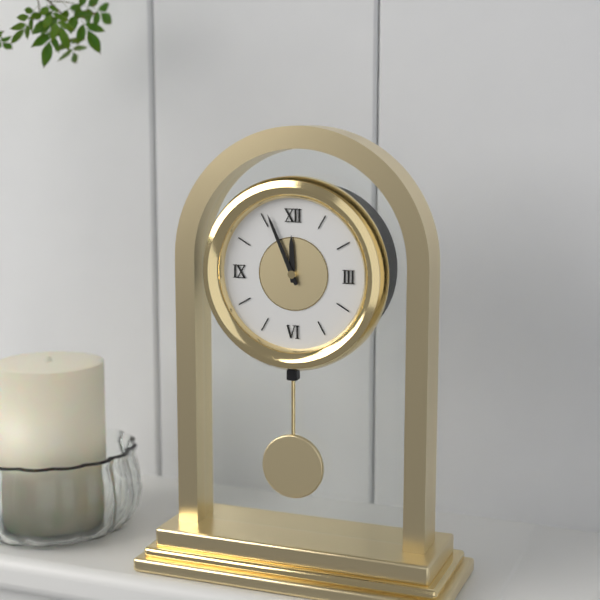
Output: 11h56
